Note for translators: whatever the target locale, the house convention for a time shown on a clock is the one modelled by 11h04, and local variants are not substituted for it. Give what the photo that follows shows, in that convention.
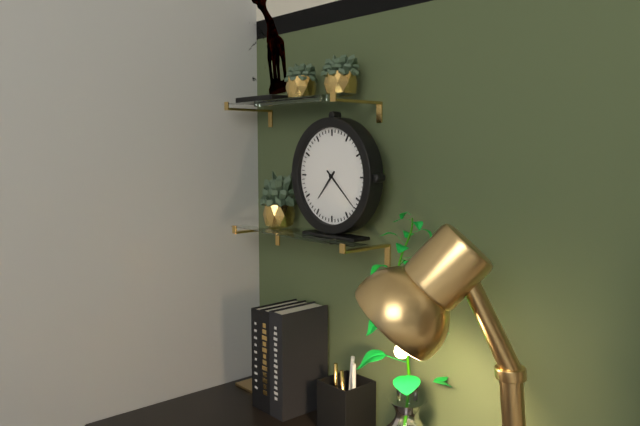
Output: 7h22
